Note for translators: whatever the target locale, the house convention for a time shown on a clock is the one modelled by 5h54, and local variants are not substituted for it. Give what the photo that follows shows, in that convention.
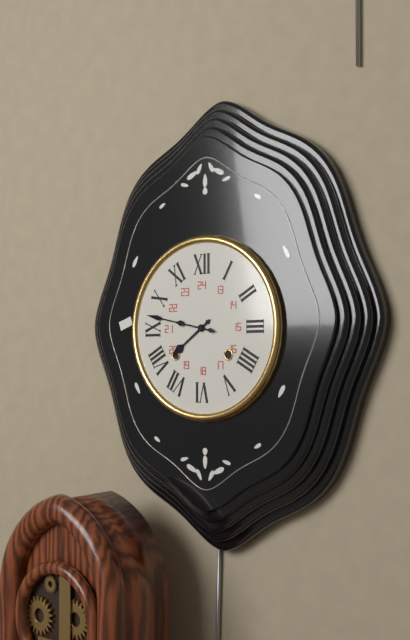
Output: 7h47
